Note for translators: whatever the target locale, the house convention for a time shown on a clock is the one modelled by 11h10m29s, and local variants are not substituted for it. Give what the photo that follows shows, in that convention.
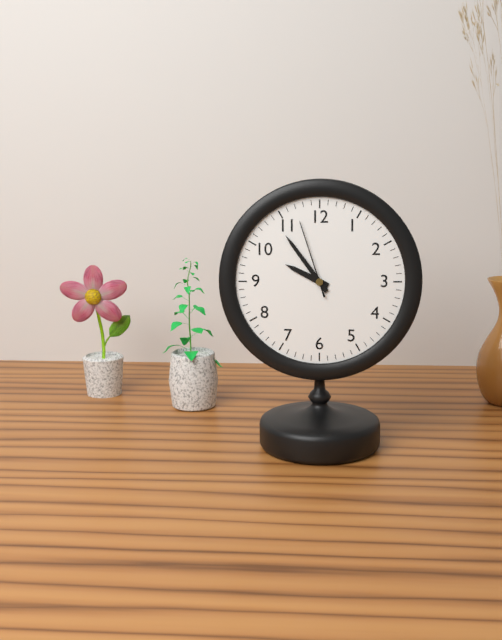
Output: 9h54m57s
